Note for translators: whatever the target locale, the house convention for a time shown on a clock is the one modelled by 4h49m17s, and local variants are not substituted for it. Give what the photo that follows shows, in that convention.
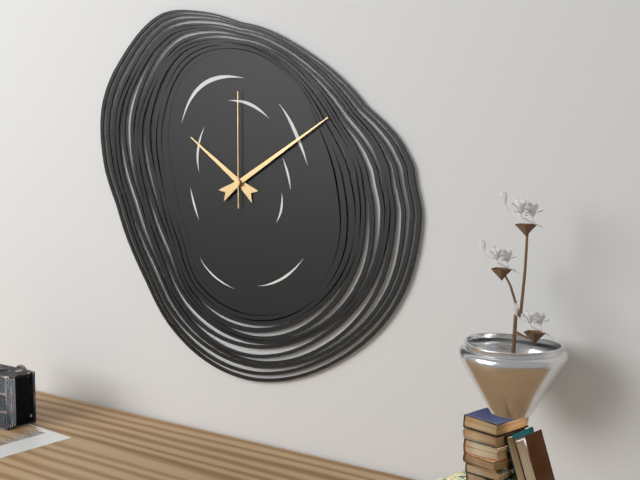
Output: 10h10m00s
